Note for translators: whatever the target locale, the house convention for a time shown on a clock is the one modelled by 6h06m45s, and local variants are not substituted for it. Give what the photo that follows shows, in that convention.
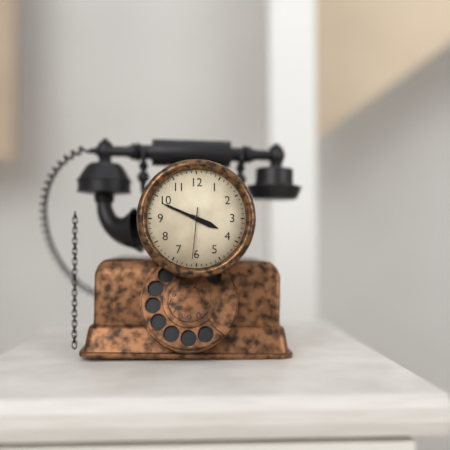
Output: 3h49m31s
